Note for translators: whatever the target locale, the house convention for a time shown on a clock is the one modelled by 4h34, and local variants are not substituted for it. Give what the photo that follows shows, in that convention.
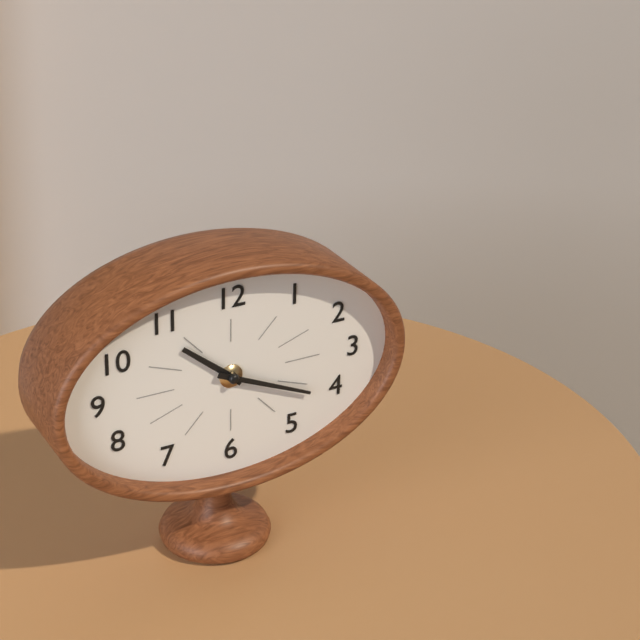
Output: 10h19
